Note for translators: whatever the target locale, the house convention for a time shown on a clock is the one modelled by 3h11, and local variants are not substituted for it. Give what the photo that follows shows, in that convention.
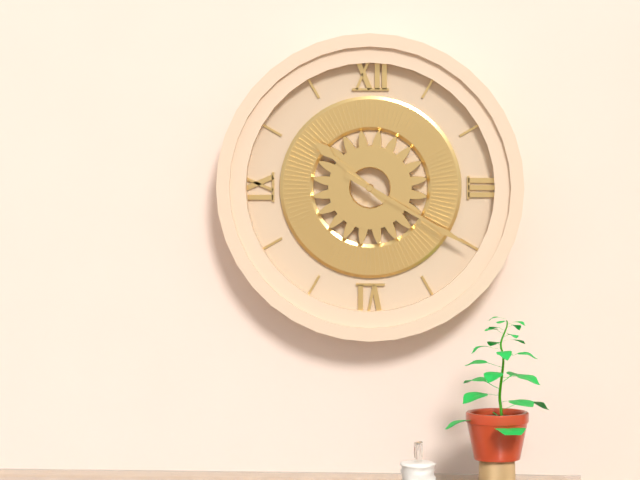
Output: 10h20
